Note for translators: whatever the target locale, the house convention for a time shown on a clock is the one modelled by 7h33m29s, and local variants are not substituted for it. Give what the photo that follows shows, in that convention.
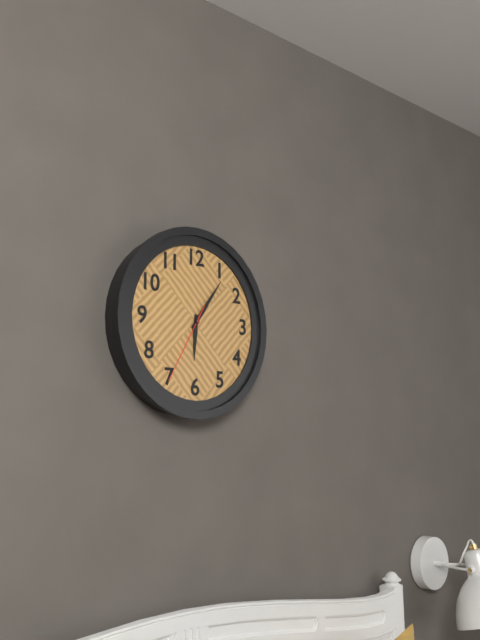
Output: 6h06m35s
